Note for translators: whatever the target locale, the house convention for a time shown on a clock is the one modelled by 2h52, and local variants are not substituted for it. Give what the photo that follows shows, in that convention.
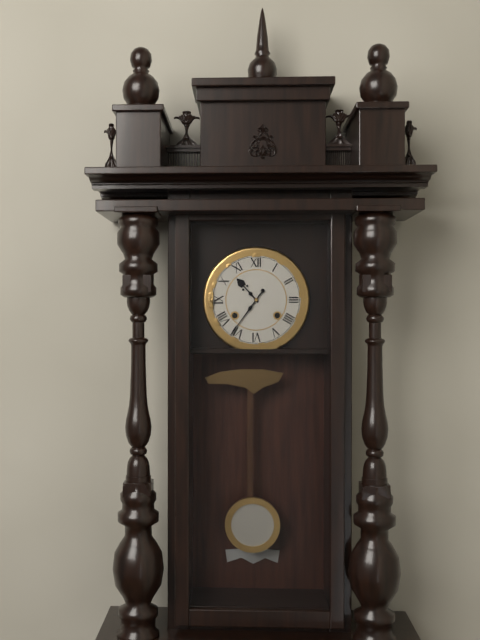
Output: 10h36
